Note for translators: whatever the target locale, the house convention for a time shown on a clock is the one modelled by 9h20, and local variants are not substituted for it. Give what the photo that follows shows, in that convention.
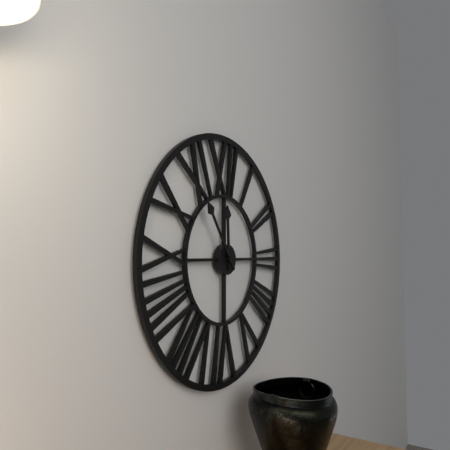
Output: 11h54
